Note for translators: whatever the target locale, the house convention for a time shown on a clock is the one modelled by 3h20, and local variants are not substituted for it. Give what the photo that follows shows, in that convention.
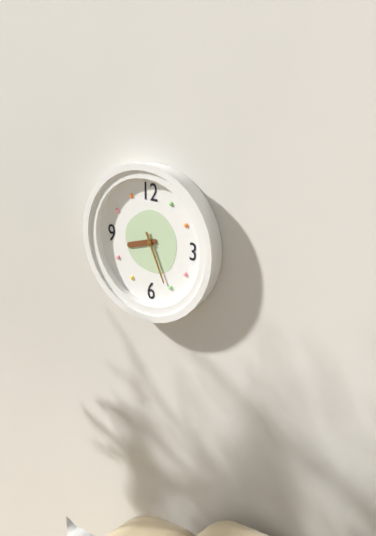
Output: 8h26
